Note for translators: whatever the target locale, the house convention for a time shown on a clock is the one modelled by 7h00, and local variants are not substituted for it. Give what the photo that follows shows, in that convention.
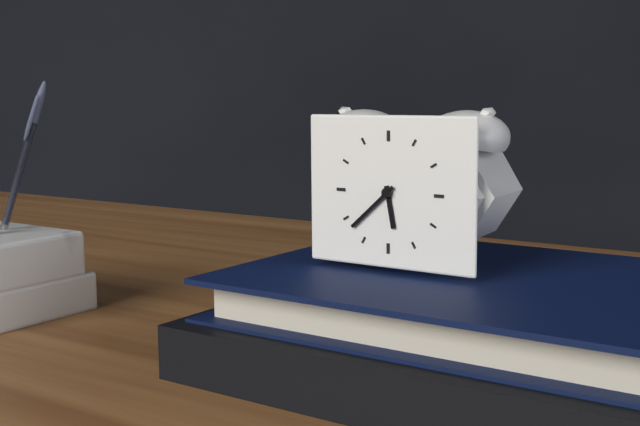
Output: 5h38
